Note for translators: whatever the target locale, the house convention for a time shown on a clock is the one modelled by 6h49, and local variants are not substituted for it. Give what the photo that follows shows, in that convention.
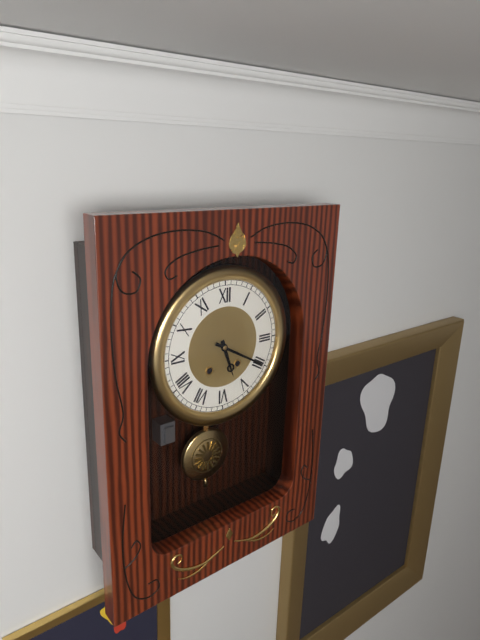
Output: 5h20
